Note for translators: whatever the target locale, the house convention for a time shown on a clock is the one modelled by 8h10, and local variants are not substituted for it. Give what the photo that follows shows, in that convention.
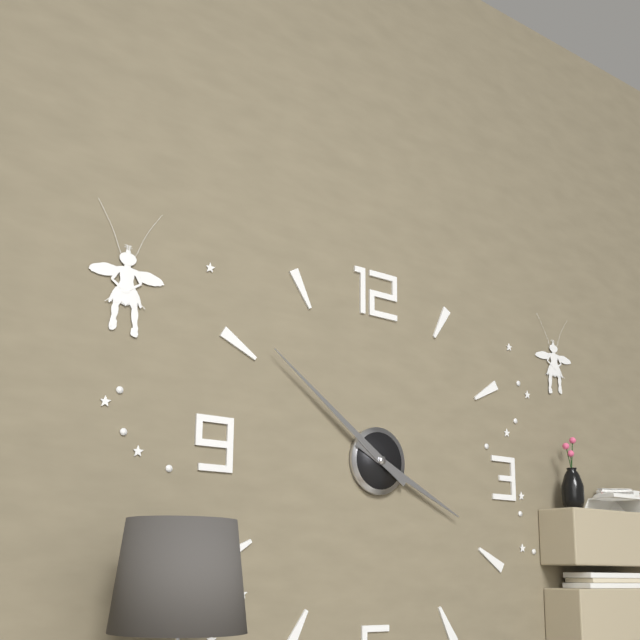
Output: 3h51
